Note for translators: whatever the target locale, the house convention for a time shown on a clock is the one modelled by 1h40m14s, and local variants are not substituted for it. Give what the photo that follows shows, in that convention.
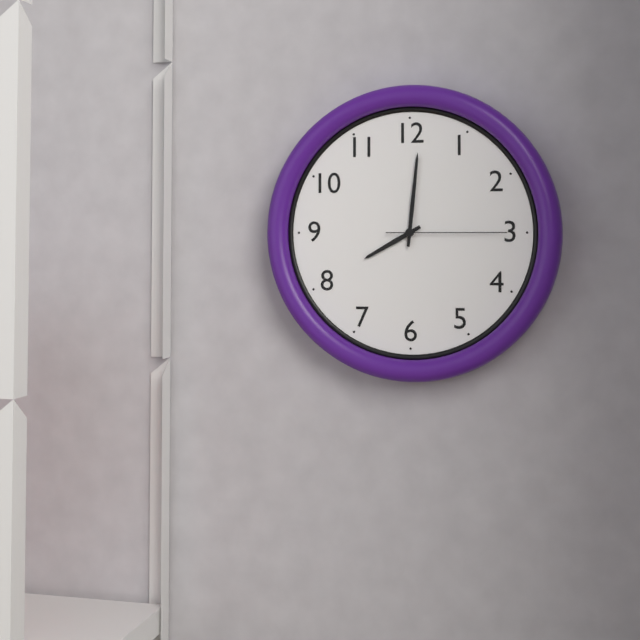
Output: 8h01m15s
